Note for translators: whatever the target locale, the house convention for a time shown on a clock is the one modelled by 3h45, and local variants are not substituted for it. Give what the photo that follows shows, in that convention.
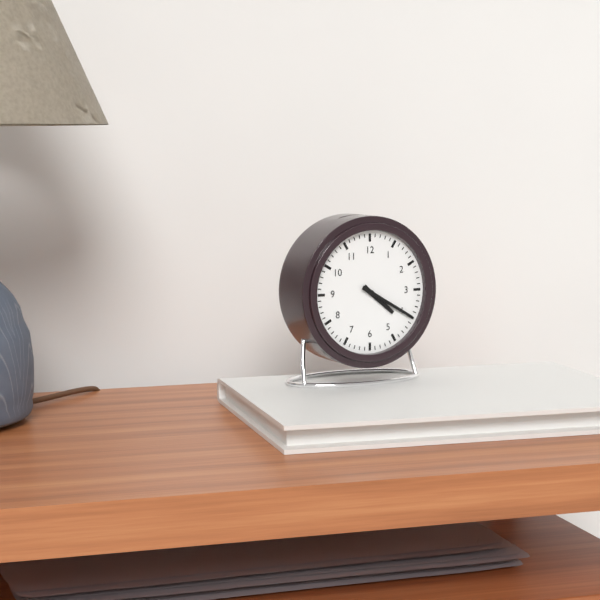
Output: 4h20
